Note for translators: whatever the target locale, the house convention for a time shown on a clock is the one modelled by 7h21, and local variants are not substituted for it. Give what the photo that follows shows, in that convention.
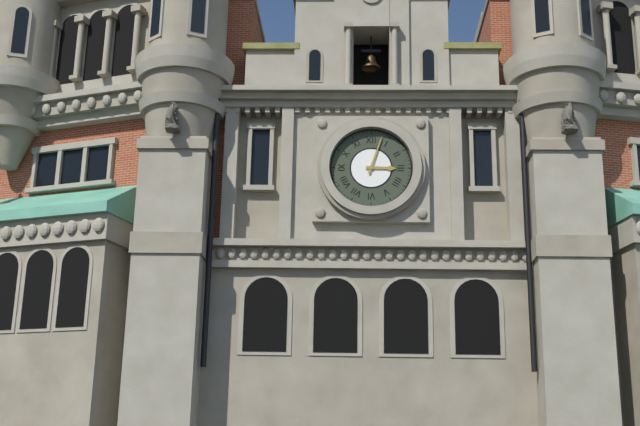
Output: 3h03
